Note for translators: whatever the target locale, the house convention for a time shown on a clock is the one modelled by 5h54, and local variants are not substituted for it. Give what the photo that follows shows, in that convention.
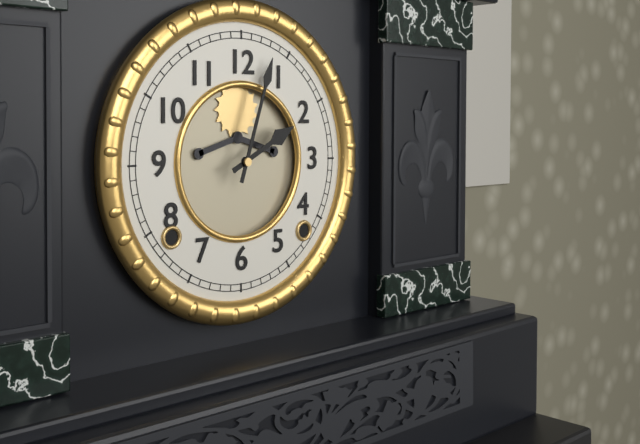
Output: 2h03
